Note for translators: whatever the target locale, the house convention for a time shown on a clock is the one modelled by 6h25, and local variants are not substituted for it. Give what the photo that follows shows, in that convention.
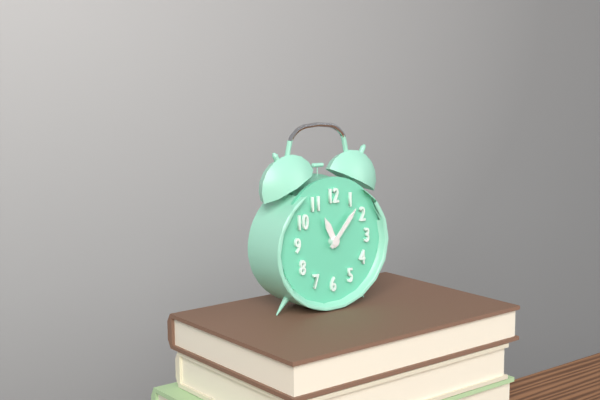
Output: 11h07
